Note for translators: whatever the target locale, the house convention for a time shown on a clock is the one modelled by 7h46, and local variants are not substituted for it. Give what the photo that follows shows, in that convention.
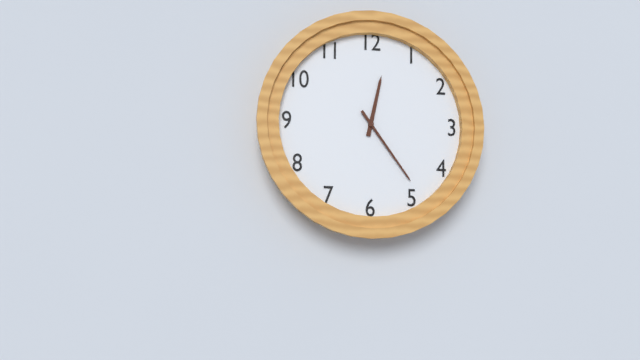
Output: 12h24
